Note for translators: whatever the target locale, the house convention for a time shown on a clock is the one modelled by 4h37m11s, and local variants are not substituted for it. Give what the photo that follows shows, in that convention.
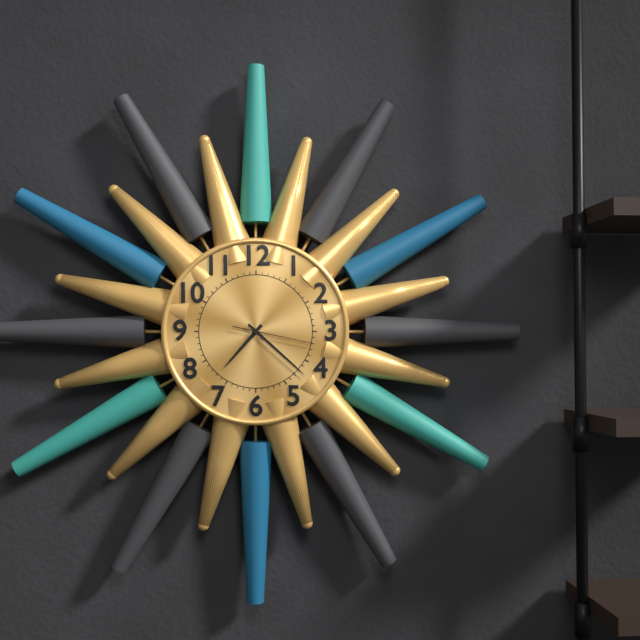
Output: 7h22m17s
